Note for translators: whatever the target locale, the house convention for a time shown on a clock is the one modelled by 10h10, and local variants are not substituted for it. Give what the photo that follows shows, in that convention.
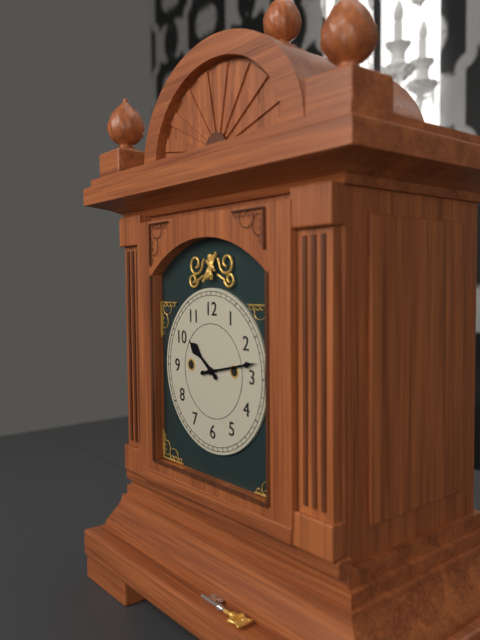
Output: 10h13
